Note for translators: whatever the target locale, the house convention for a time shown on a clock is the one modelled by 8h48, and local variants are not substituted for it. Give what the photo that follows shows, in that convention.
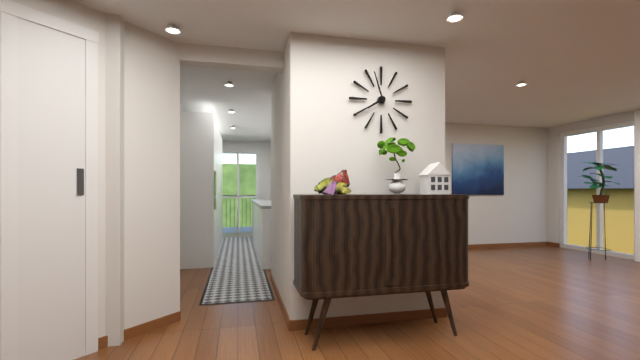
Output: 7h57
